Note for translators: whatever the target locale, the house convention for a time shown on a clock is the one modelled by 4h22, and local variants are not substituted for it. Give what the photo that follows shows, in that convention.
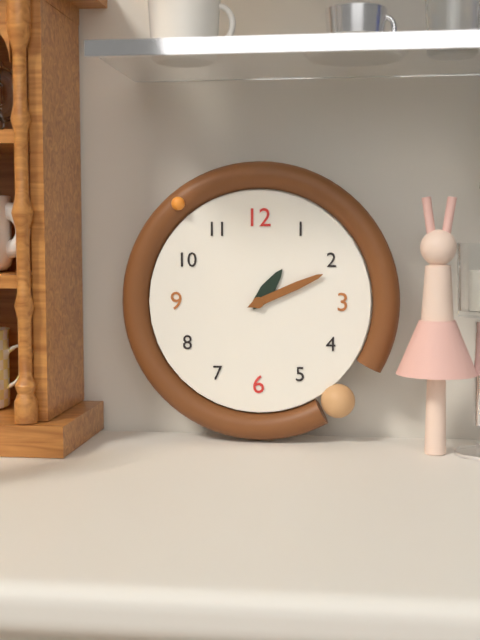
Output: 1h11
